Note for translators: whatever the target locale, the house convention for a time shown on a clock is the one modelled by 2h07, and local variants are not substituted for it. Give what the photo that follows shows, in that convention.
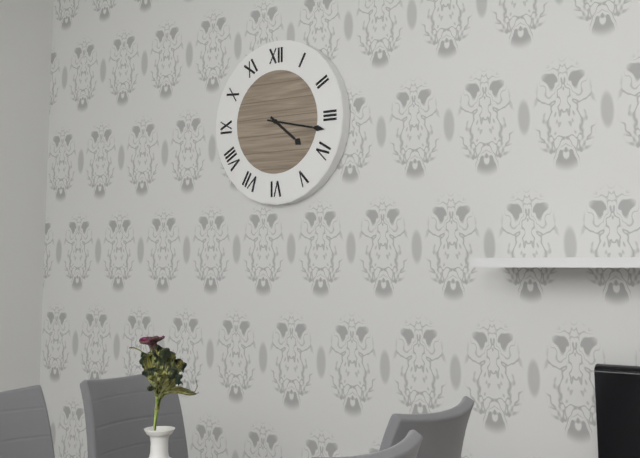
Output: 4h17
